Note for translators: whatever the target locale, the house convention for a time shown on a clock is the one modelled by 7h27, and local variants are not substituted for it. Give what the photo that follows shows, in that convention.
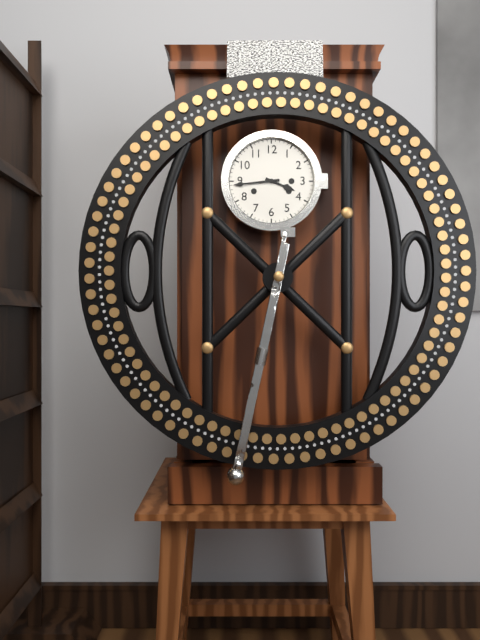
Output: 3h44
